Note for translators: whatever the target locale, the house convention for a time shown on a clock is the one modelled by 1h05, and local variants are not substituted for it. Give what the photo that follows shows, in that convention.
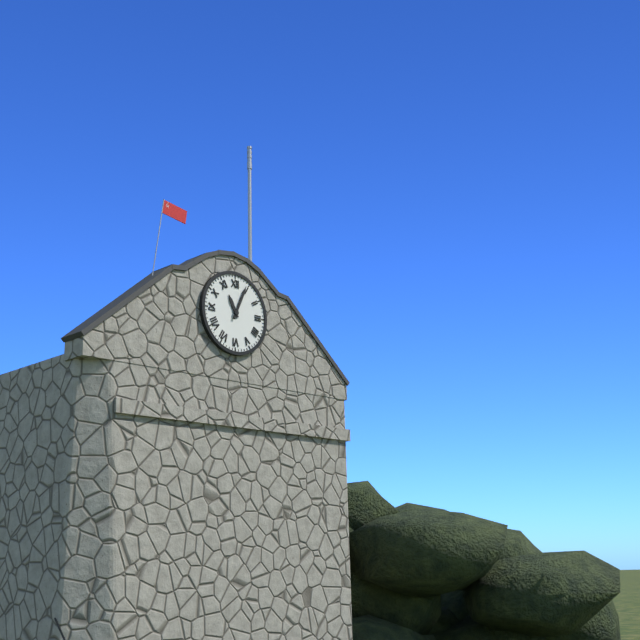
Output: 11h04
